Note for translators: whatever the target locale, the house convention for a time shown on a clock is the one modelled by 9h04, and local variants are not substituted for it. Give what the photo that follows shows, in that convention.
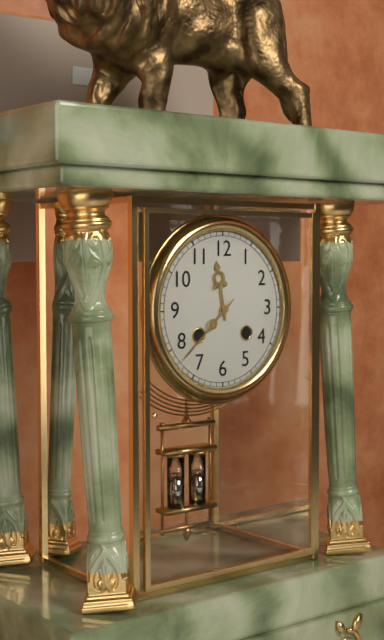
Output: 11h38
